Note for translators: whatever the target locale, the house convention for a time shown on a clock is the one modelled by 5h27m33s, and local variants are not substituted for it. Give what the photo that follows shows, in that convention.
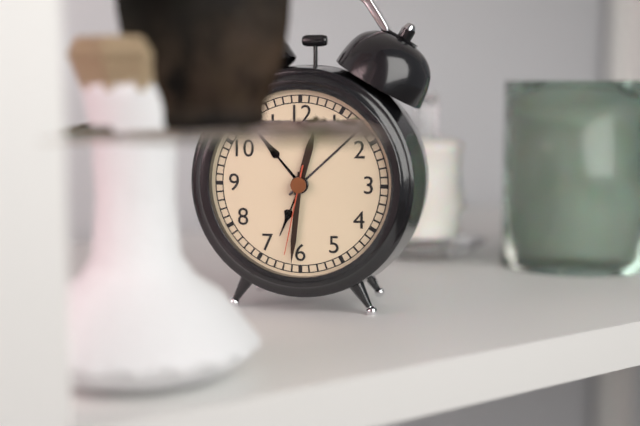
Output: 12h31m32s
